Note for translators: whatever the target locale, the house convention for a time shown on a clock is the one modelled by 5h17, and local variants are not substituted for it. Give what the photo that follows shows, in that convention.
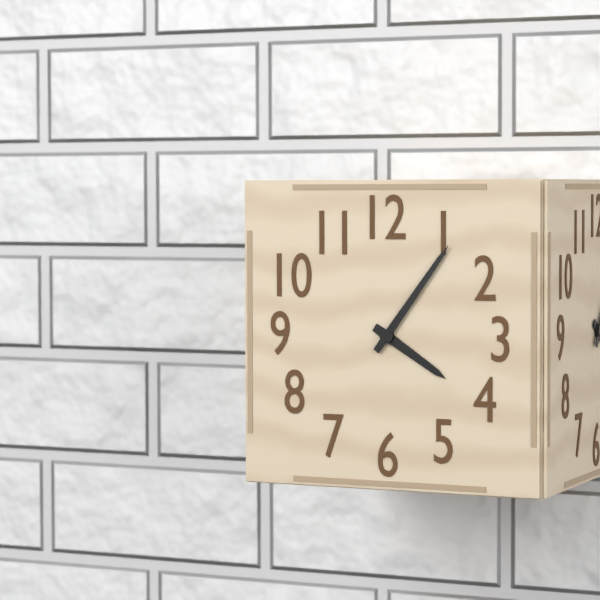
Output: 4h06
